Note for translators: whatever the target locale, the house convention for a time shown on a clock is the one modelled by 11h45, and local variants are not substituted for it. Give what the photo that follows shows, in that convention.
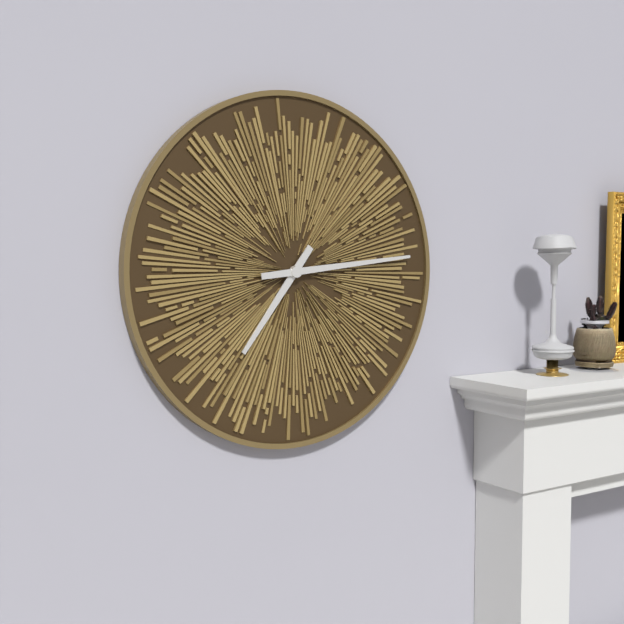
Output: 7h14
